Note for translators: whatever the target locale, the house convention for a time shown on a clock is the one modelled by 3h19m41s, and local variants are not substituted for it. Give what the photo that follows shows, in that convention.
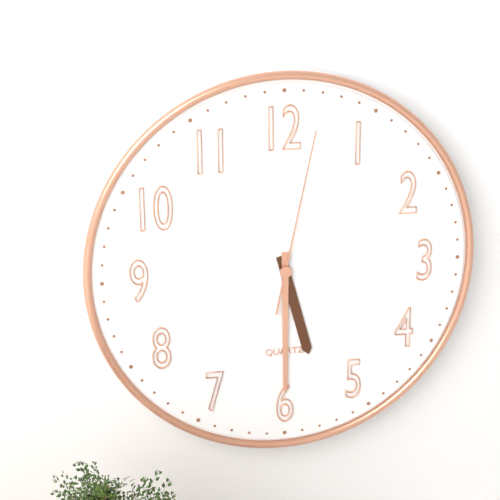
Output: 5h30m02s
